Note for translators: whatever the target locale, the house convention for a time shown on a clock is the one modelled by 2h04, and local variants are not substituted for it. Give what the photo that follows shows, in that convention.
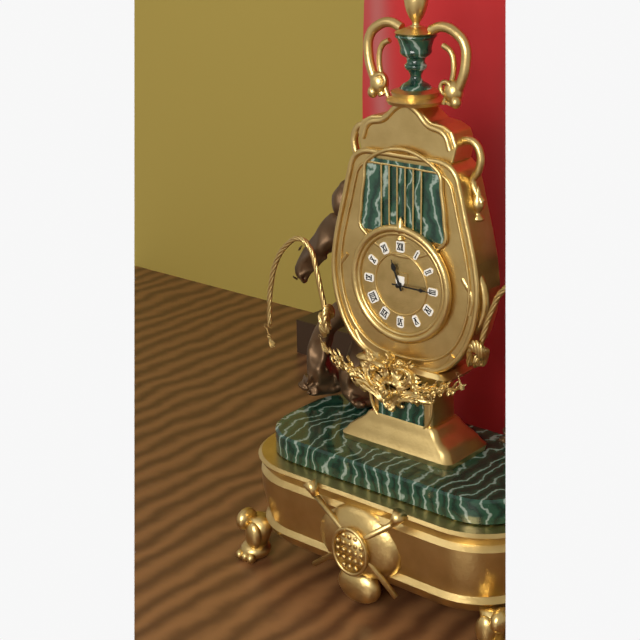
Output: 11h15
